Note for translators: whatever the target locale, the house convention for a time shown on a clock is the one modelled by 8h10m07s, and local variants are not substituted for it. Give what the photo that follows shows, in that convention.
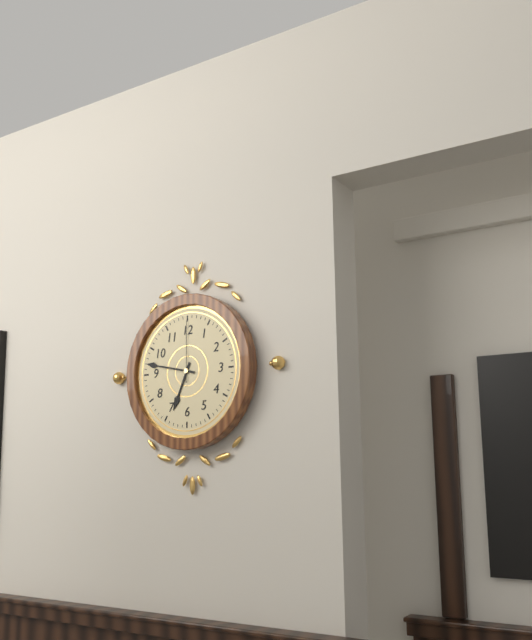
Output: 6h47m00s
